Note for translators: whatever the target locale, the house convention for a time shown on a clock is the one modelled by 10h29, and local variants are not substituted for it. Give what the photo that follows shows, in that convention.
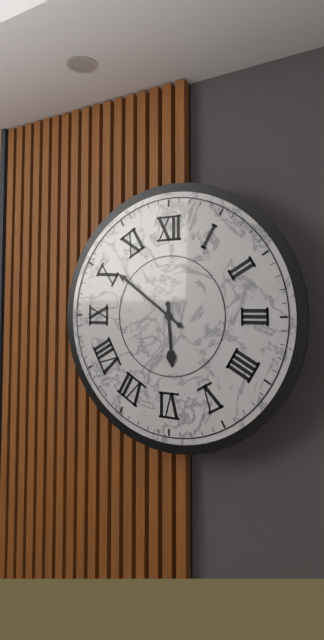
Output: 5h51
